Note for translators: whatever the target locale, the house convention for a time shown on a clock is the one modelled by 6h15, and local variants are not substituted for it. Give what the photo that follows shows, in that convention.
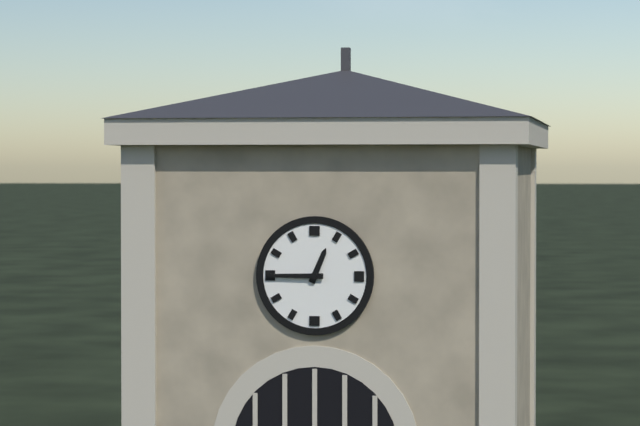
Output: 12h45
